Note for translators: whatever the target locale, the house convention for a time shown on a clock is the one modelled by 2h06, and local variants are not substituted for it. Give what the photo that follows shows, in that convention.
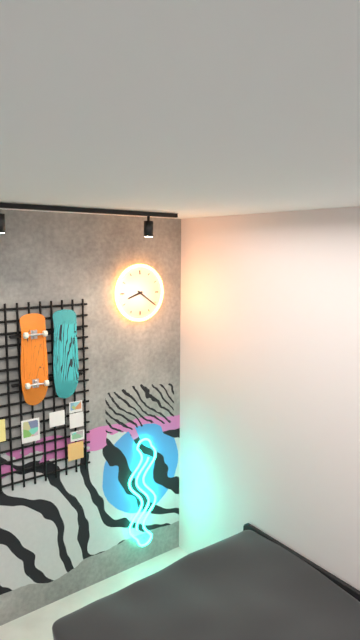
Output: 8h21
